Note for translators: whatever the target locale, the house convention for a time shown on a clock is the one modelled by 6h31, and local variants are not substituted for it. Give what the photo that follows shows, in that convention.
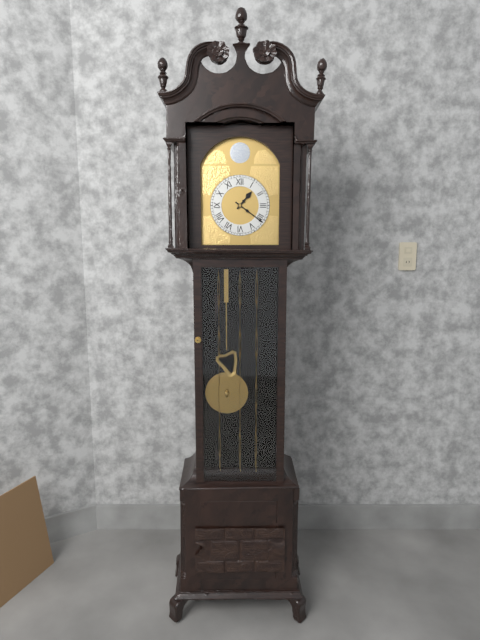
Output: 1h21
